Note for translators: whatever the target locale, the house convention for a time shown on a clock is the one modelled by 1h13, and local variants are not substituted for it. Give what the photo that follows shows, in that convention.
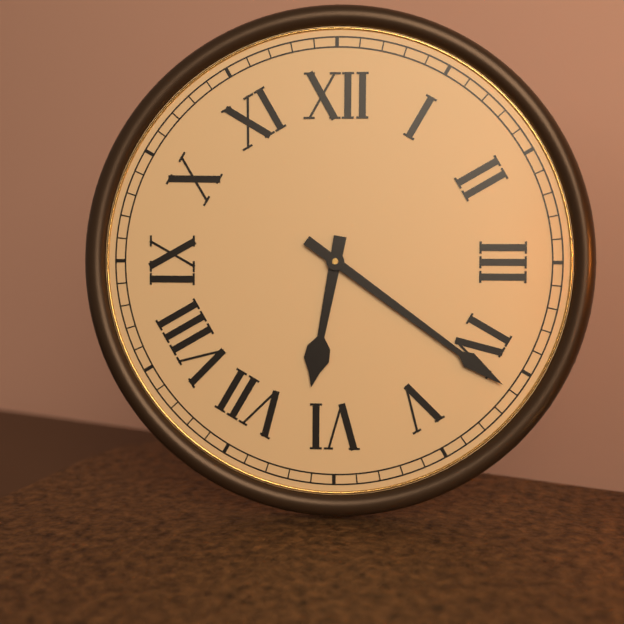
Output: 6h21
